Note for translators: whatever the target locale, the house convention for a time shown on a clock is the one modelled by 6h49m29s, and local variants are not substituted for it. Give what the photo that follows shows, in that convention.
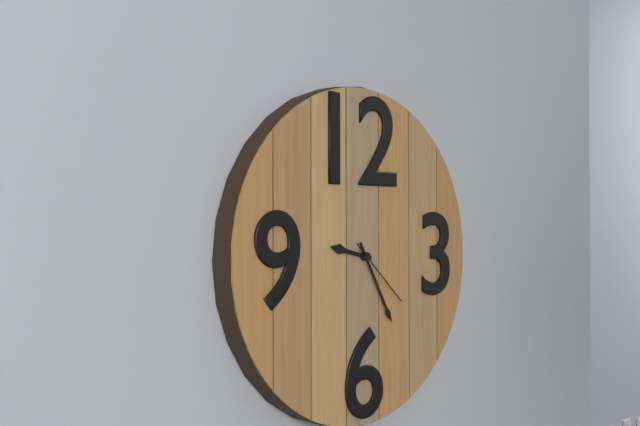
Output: 9h25m22s
